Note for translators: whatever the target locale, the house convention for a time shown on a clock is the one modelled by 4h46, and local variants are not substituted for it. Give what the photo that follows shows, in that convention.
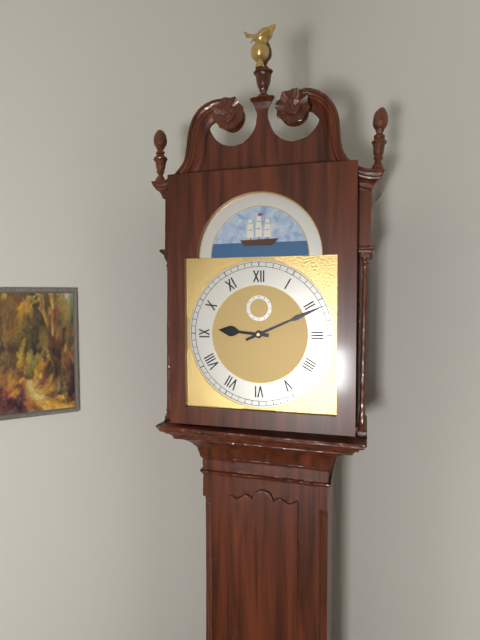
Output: 9h11
